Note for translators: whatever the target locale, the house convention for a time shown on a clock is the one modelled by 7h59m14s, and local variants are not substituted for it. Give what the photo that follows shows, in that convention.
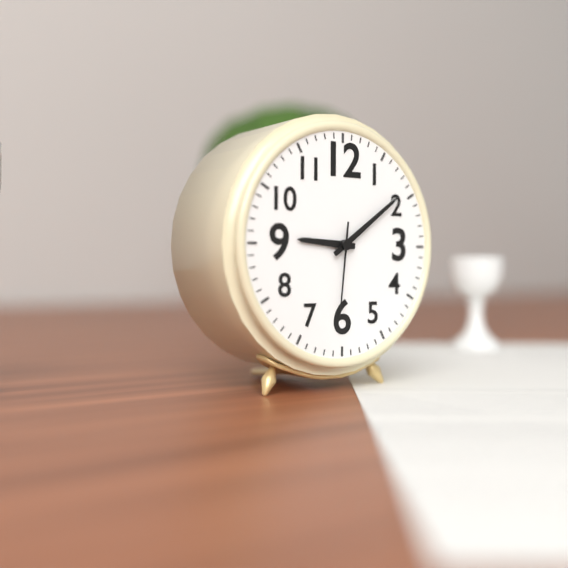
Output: 9h09m31s
